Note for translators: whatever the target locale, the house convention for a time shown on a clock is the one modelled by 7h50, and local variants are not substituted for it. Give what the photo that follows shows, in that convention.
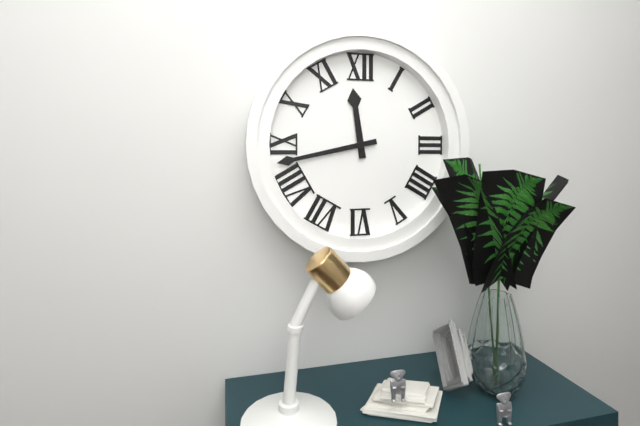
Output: 11h43
